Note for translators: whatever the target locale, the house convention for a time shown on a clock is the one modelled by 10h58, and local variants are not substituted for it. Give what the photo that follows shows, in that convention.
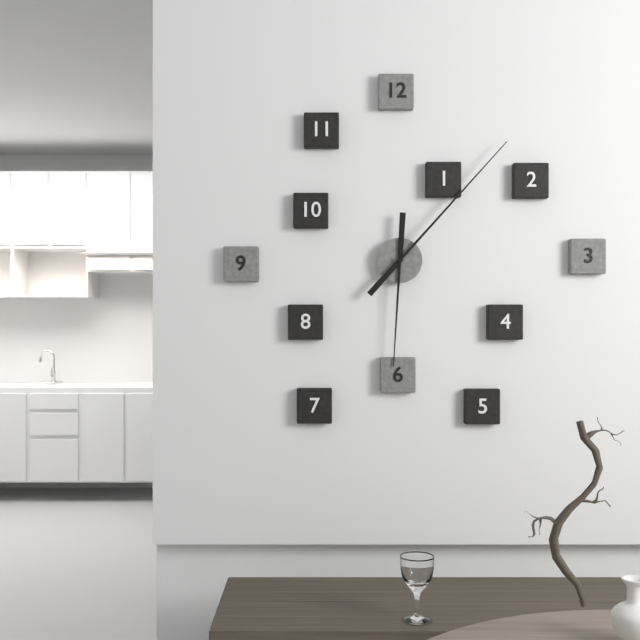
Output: 6h07
